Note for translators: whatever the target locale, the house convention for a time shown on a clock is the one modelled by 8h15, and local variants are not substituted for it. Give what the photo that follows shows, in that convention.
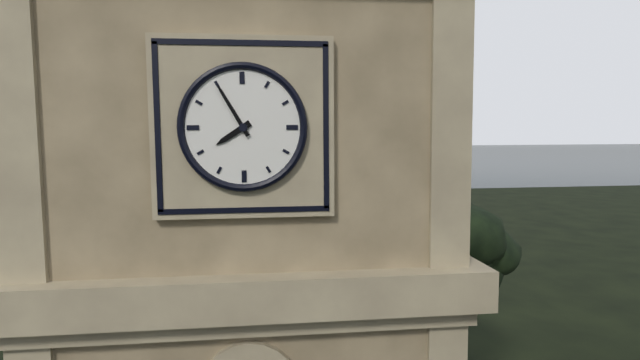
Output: 7h55
